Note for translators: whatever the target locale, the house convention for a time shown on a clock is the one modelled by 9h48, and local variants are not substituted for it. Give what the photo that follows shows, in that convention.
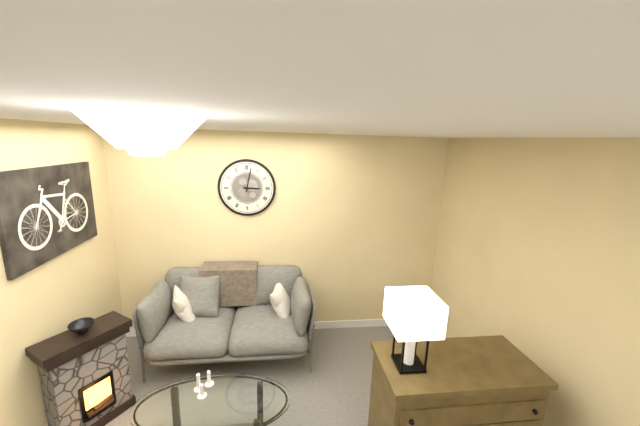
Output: 3h02
